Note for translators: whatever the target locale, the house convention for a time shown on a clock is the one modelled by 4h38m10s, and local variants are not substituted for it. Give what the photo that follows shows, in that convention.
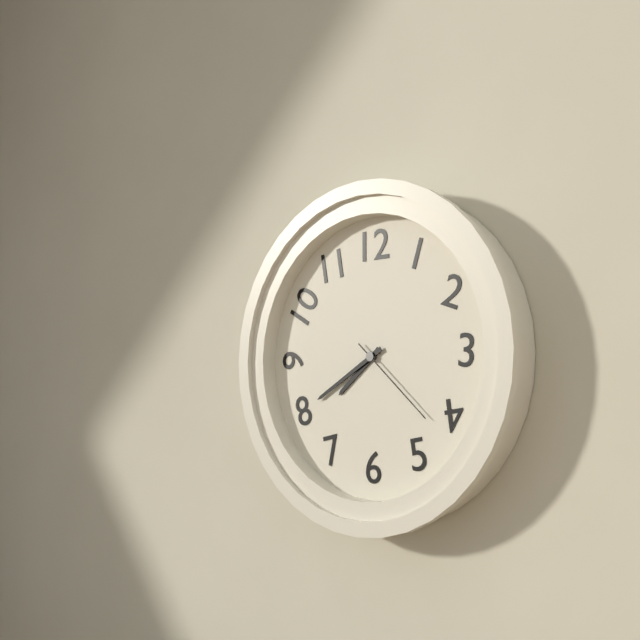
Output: 7h40m22s
